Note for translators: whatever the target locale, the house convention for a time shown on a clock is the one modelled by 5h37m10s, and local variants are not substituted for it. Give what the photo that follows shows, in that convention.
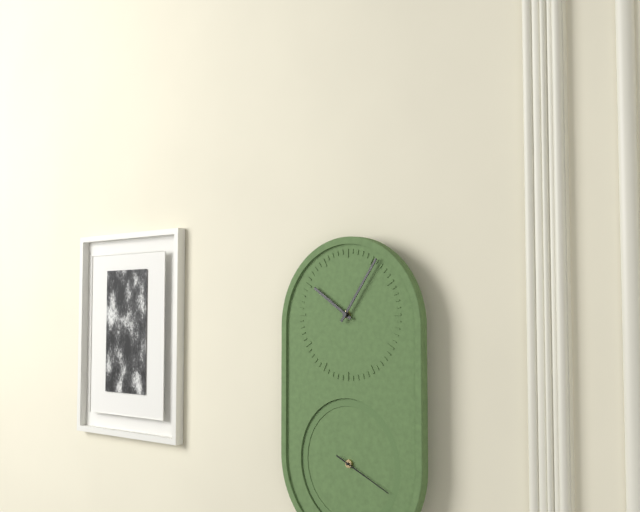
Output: 10h06m19s
